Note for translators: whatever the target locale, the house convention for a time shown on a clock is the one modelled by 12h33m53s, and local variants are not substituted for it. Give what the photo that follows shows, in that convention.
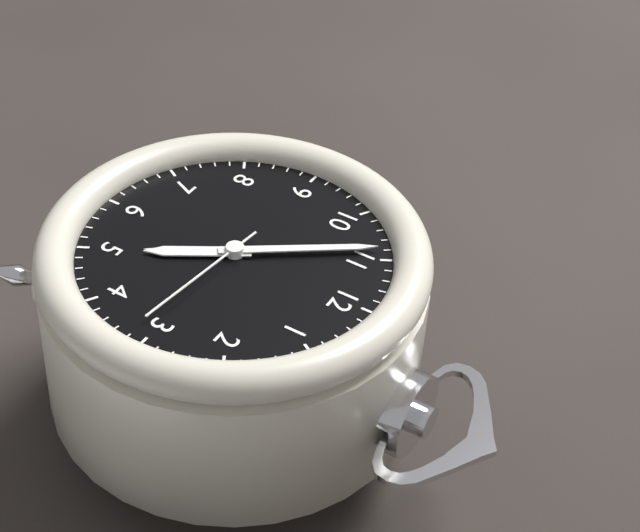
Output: 4h54m16s
